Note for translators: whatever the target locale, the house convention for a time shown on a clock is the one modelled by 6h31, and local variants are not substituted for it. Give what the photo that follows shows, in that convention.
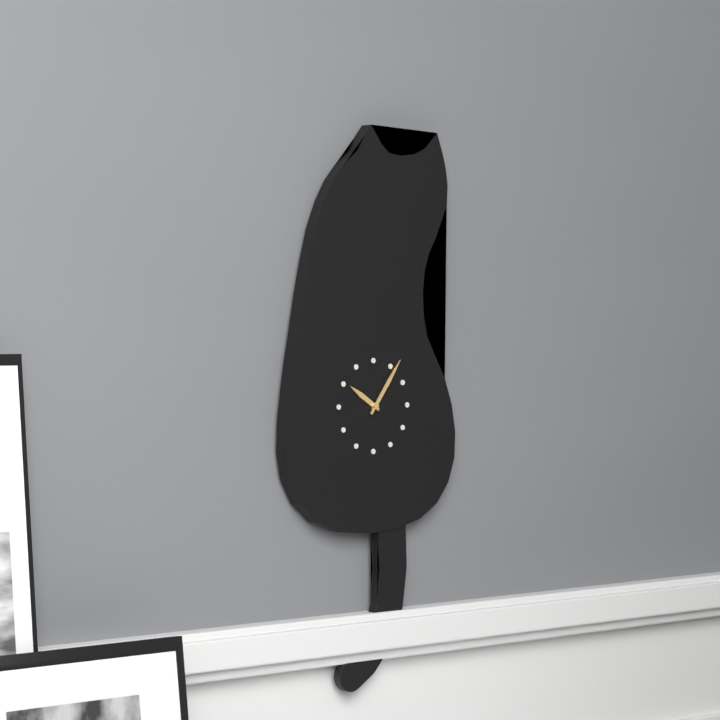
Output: 10h06
